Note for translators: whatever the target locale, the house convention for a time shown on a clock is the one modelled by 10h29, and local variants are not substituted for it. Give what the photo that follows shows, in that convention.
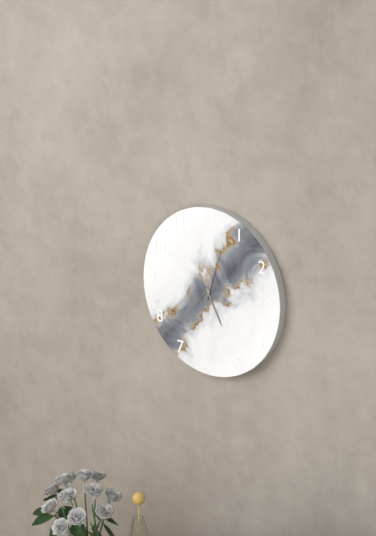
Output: 5h03
